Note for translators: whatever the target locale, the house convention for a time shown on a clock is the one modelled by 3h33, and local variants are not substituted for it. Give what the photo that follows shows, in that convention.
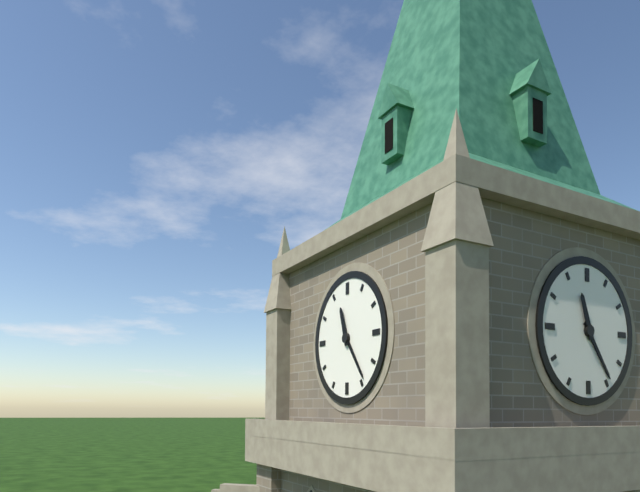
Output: 11h24
